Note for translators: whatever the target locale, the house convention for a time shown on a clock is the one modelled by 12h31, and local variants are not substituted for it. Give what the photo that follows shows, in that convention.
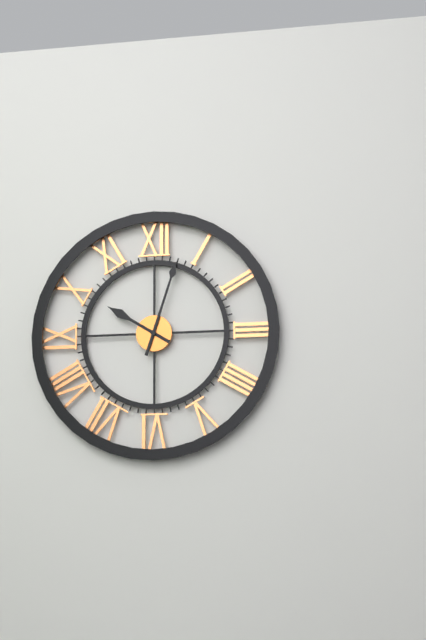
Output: 10h03
